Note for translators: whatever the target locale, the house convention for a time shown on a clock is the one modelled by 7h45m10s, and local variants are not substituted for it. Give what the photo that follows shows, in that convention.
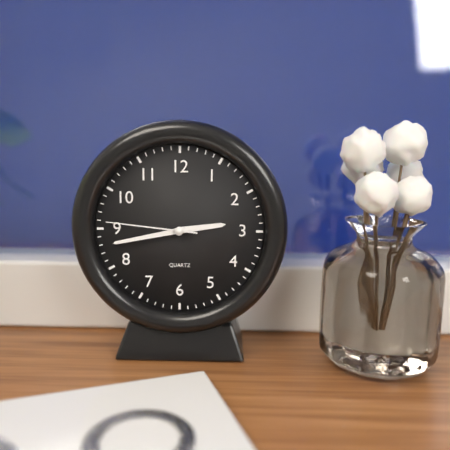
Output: 2h43m46s
